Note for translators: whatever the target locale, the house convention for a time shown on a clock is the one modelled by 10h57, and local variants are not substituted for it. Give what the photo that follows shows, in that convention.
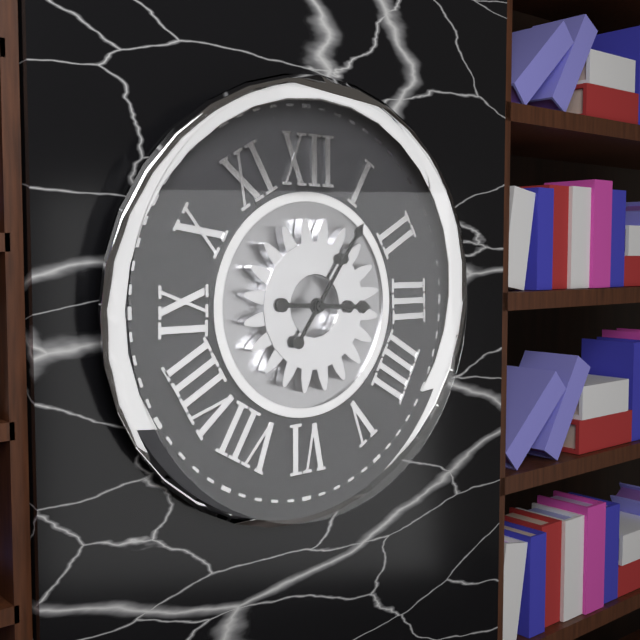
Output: 3h06
